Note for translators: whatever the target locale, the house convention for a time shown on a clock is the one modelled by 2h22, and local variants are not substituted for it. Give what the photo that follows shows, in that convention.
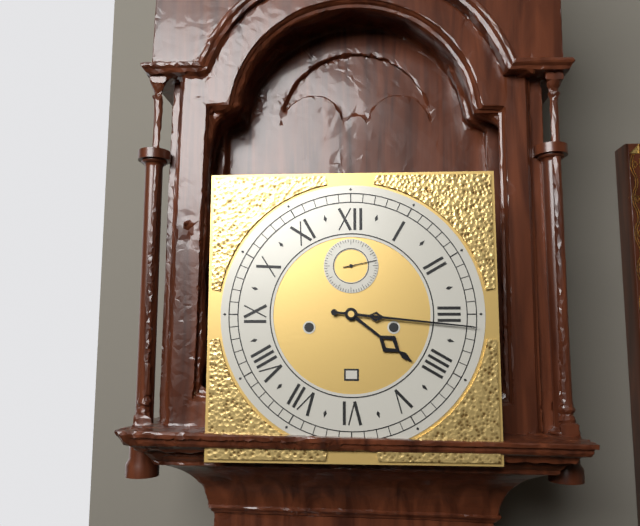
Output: 4h16
